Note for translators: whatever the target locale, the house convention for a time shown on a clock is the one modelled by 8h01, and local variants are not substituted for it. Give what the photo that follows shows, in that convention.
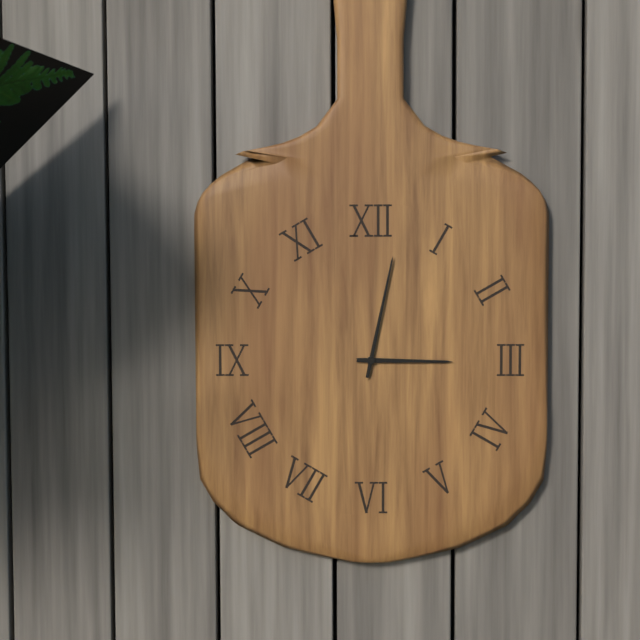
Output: 3h02
